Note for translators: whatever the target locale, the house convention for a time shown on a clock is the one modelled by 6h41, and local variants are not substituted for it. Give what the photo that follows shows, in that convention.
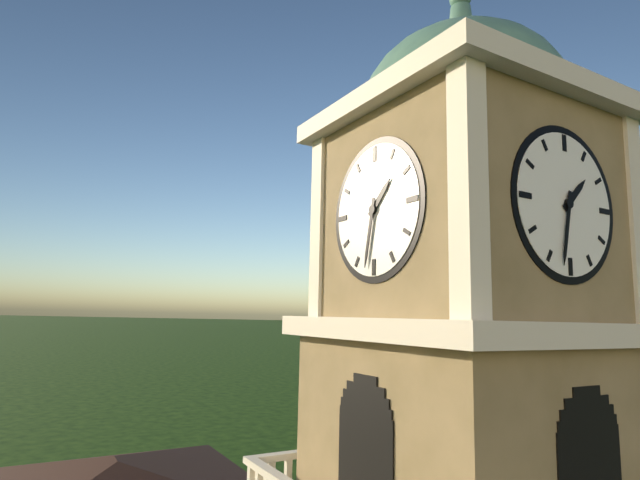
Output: 1h32
